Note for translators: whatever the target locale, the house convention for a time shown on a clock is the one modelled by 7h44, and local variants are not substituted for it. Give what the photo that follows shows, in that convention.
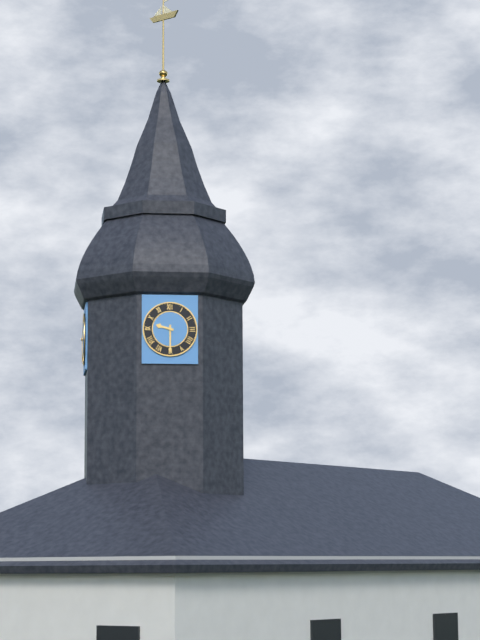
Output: 9h30
